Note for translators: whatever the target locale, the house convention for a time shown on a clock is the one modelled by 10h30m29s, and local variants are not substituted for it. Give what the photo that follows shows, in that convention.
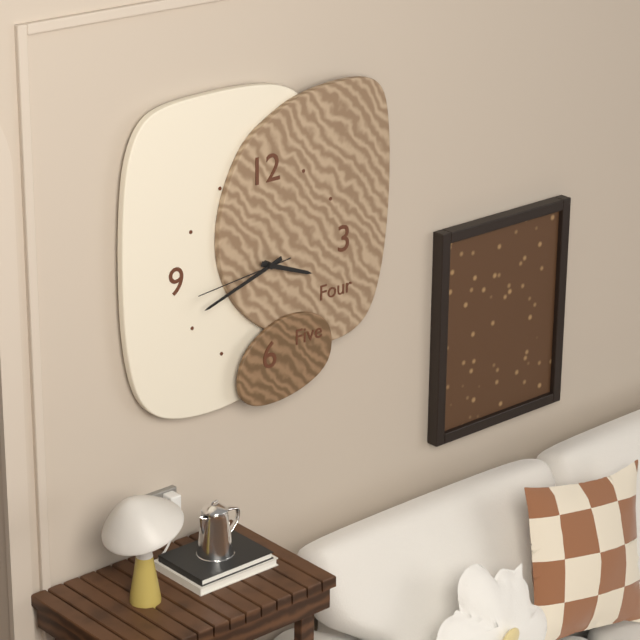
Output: 3h42m44s
